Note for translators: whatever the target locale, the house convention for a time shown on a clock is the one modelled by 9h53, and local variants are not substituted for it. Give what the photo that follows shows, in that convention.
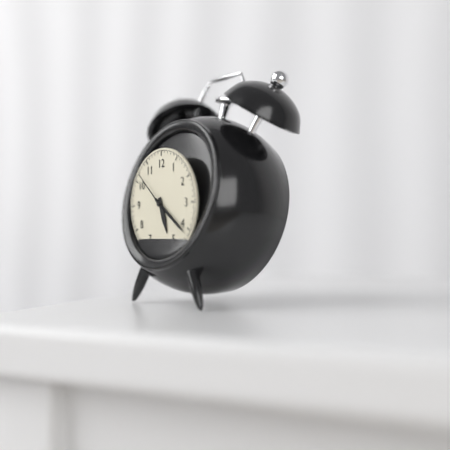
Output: 5h21
